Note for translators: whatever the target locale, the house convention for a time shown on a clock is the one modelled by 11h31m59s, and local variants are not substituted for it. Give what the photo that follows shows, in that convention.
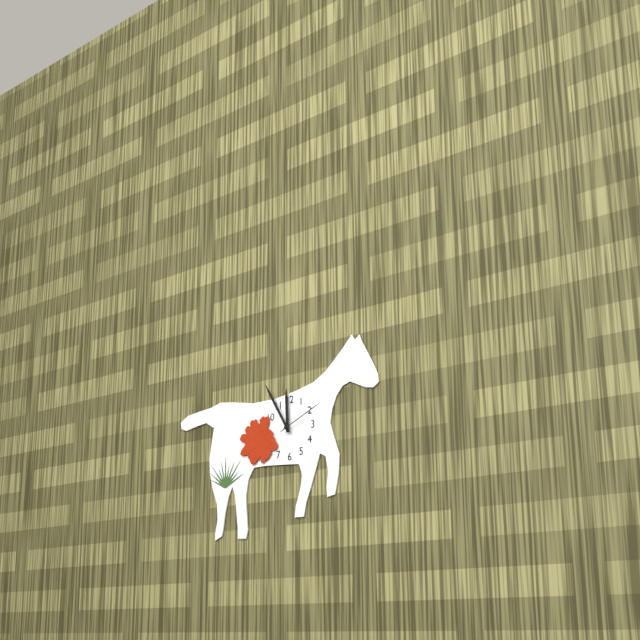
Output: 11h55m11s
